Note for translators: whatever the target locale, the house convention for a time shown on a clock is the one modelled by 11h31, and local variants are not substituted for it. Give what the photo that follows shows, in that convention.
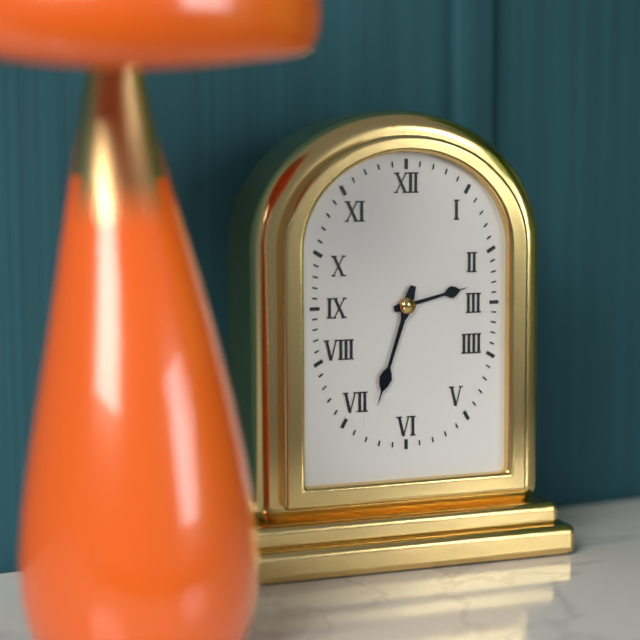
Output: 2h33
